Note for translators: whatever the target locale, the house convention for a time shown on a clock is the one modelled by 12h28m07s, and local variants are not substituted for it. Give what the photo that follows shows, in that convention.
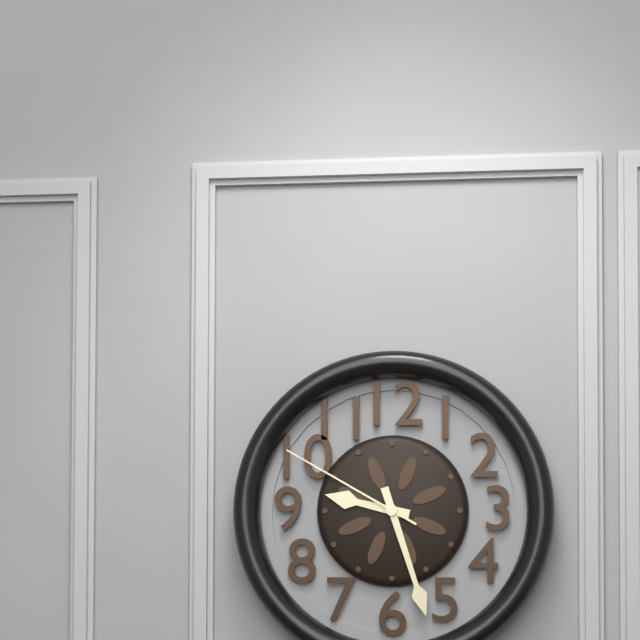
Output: 9h27m50s
